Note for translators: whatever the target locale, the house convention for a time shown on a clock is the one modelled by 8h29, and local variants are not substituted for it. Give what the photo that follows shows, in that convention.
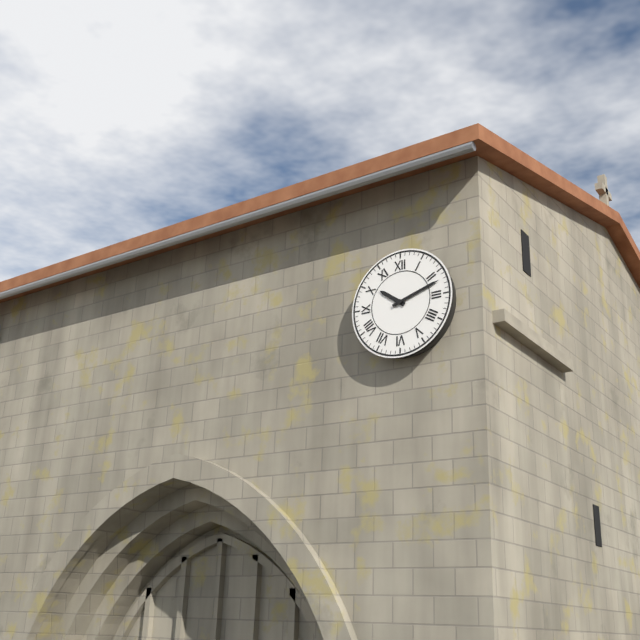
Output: 10h12
